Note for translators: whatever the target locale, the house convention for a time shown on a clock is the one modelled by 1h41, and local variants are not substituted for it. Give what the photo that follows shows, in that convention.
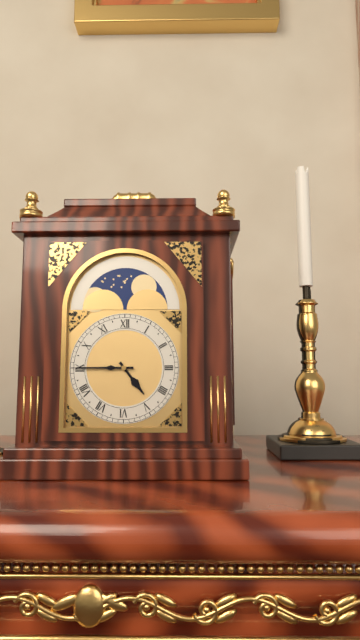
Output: 4h45
